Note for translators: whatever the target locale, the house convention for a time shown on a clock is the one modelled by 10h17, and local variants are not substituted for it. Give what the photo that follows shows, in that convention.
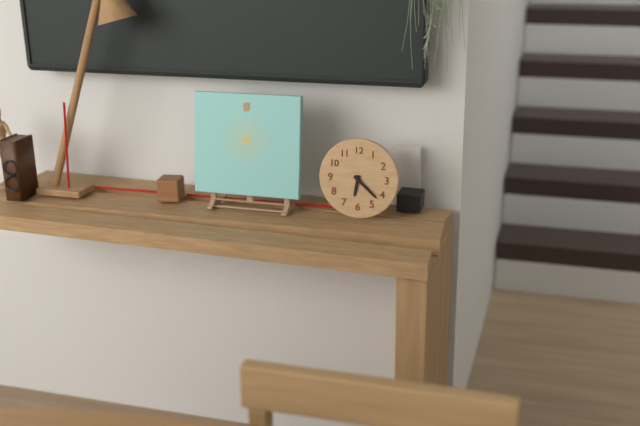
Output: 6h22
